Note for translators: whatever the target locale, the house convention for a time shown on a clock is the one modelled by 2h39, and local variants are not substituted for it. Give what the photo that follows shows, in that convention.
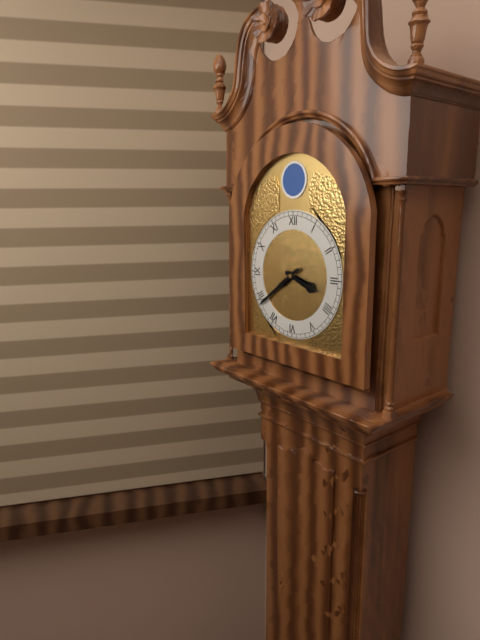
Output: 3h39
